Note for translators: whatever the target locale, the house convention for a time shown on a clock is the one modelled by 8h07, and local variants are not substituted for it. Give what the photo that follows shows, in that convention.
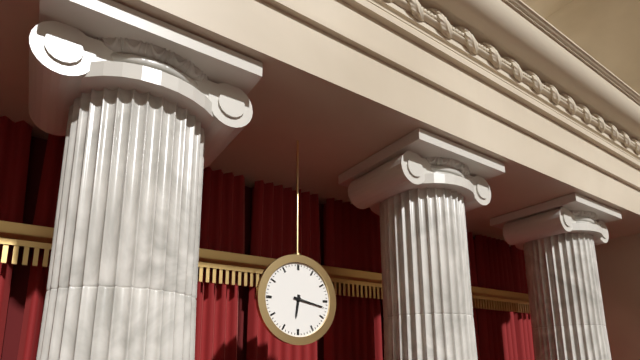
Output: 6h17
